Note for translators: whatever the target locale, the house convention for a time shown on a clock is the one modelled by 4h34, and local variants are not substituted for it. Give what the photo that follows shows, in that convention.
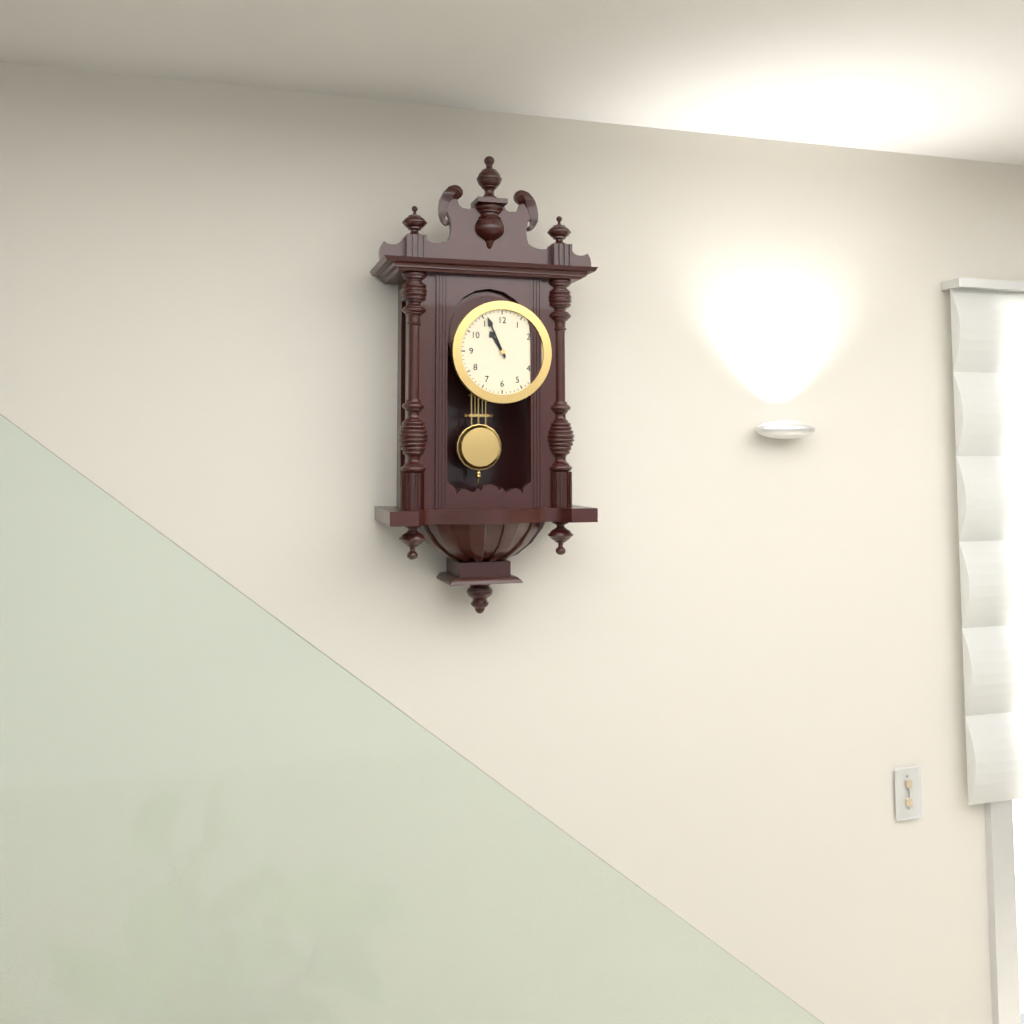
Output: 10h56
